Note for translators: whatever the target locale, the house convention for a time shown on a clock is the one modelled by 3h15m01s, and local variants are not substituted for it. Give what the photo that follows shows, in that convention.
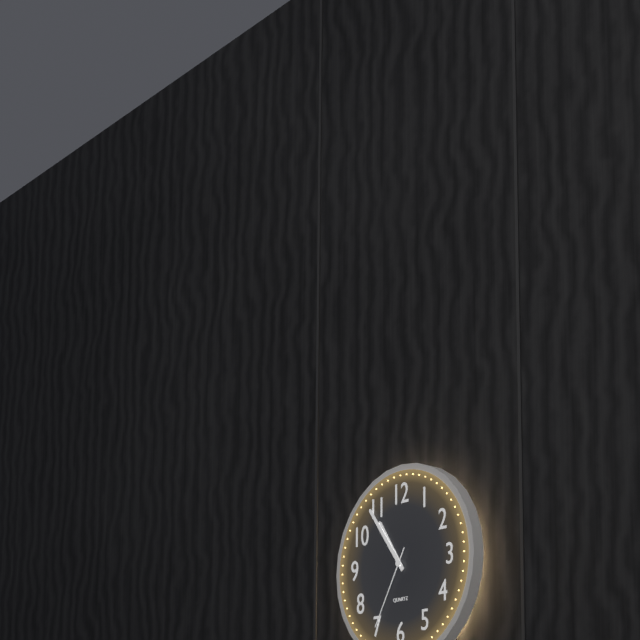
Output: 10h54m35s
